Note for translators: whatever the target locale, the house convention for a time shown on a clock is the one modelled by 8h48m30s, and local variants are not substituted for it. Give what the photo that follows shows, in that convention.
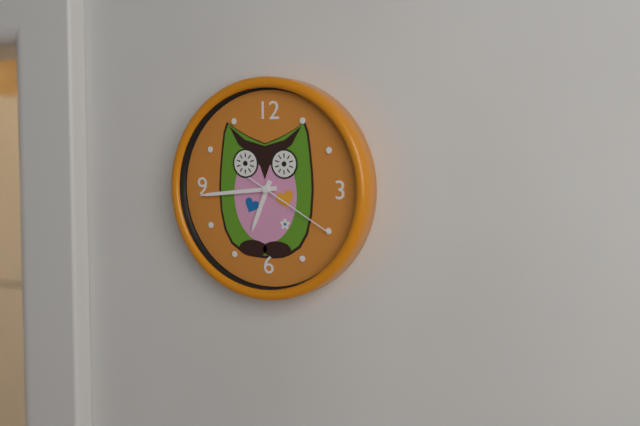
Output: 6h44m20s
